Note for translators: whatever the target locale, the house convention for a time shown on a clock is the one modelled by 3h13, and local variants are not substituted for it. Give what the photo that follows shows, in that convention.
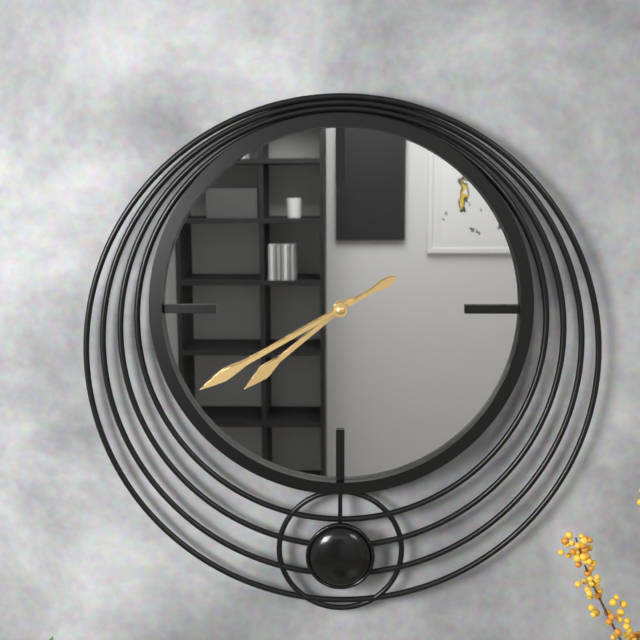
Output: 7h40
